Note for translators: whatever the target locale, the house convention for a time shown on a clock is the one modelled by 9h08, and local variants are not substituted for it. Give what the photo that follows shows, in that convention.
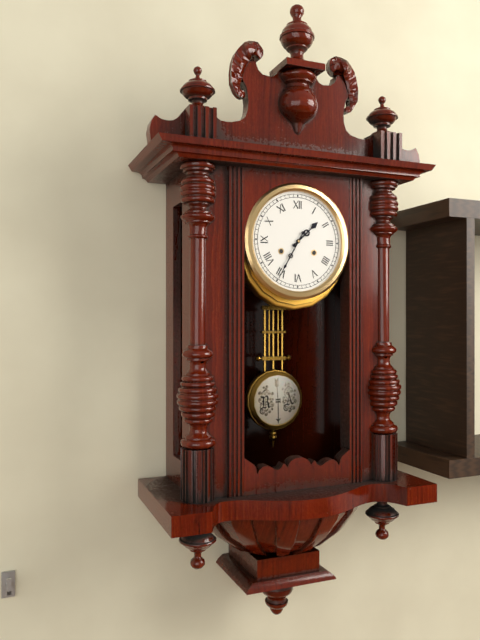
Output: 1h35
